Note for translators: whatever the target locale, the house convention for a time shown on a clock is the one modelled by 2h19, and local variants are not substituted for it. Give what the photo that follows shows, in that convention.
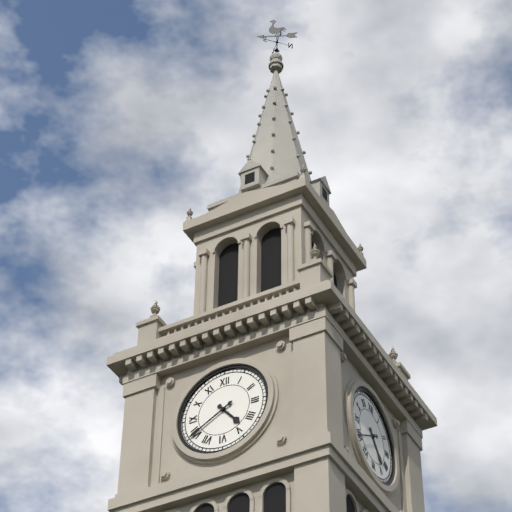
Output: 4h40
